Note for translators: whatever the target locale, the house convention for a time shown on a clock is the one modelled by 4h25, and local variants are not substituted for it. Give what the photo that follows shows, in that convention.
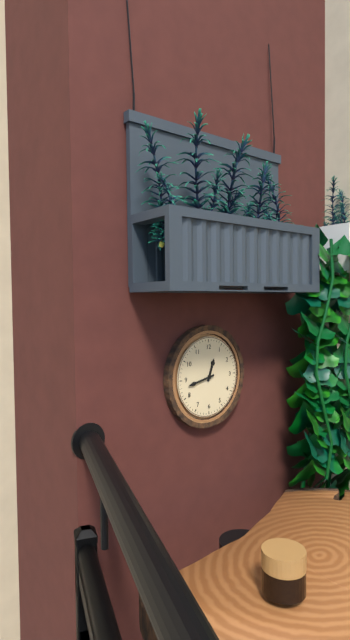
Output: 12h43
